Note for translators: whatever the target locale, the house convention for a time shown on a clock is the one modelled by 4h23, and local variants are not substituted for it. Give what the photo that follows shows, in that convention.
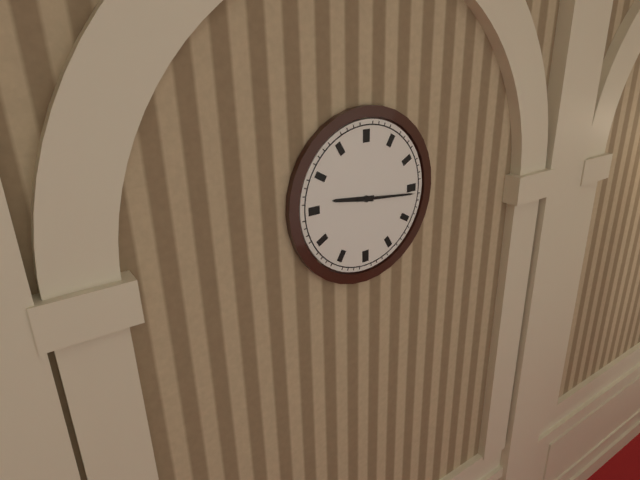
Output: 9h16
